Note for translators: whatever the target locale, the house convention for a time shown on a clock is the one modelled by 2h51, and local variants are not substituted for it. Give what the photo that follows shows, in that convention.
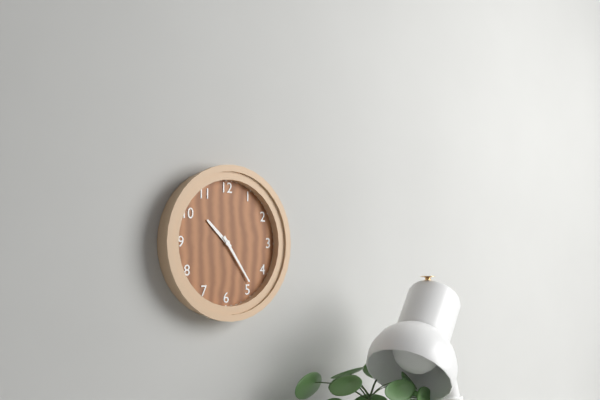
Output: 10h24
